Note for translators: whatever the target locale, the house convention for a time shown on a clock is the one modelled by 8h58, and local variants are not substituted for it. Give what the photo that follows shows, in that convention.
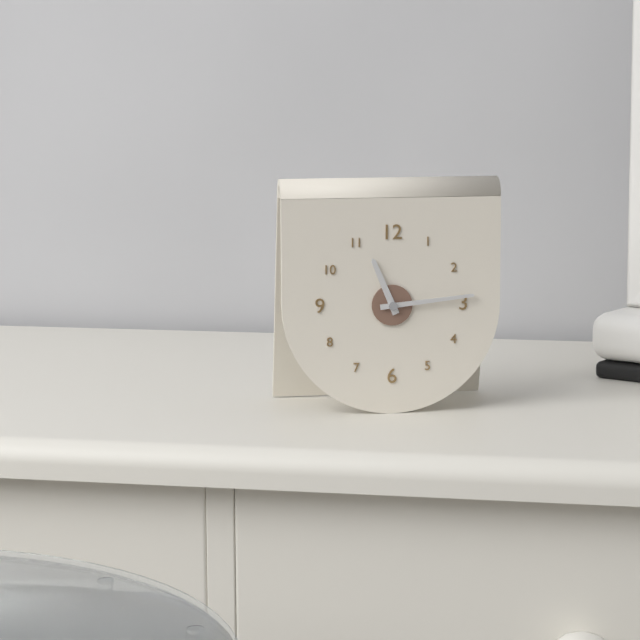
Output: 11h14
